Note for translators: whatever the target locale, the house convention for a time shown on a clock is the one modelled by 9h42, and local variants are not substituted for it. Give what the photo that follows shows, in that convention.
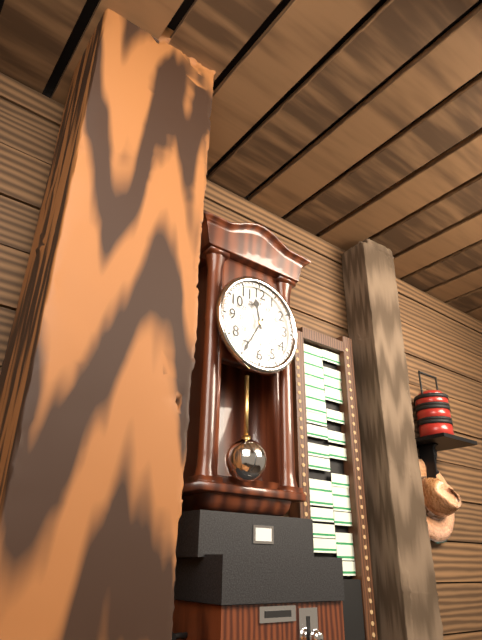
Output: 11h35
